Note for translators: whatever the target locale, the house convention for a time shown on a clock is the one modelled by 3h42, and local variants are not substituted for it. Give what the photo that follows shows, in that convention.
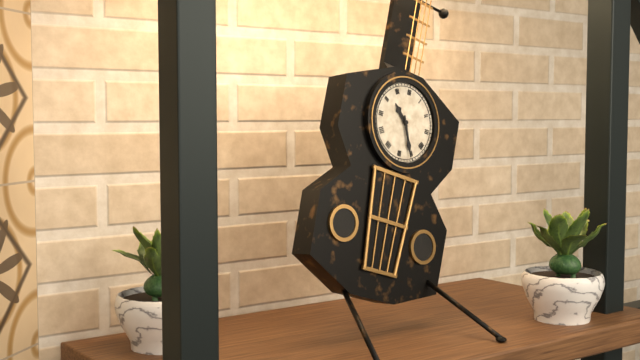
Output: 10h26
